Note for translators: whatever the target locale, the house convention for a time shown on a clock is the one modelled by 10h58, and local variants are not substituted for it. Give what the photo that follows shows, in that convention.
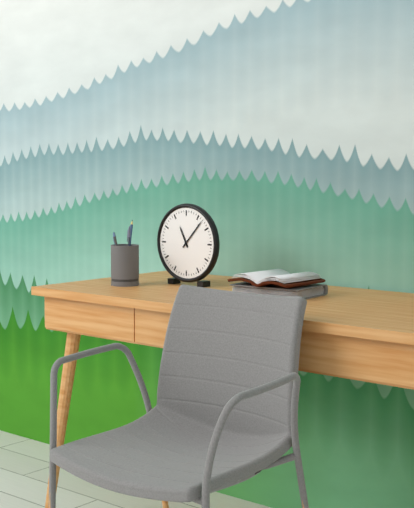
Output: 11h07
